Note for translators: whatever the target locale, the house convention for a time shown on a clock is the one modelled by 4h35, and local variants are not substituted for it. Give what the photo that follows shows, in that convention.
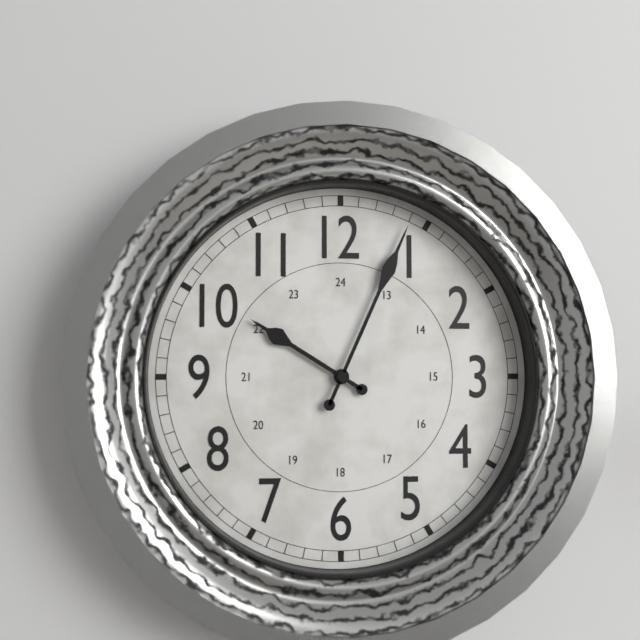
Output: 10h04
